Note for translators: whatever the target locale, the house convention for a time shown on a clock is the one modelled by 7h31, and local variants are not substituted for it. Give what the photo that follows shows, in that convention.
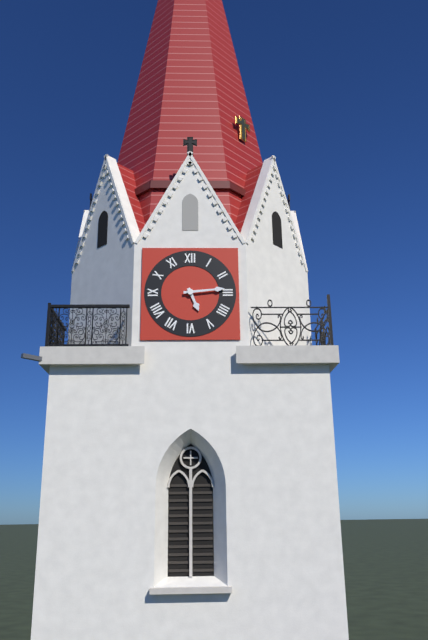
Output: 5h14
